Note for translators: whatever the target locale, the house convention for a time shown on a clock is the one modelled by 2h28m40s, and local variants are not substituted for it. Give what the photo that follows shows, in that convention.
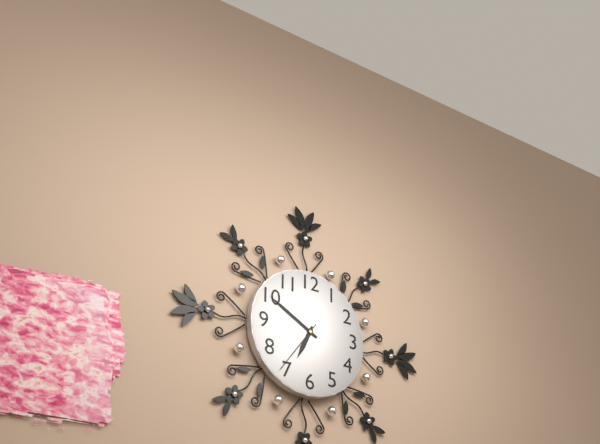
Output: 6h50m36s
